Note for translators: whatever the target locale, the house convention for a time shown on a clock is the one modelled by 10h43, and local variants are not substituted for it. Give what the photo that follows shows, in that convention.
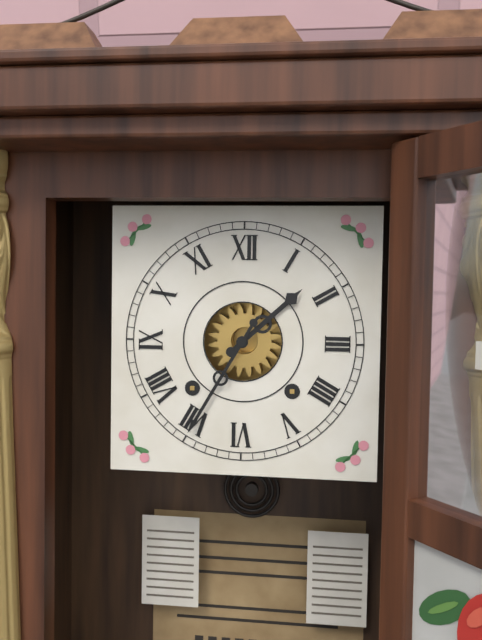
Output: 1h35
